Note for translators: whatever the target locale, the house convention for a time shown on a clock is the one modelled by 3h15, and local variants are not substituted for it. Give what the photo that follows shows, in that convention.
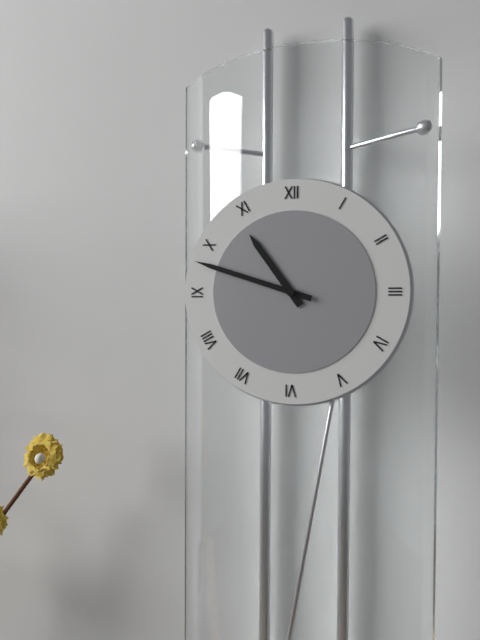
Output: 10h48
